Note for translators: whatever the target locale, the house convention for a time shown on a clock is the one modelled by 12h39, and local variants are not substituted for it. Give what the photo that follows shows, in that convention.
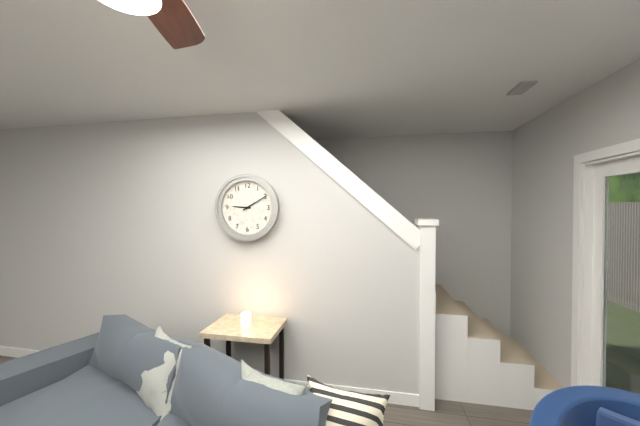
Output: 9h10
